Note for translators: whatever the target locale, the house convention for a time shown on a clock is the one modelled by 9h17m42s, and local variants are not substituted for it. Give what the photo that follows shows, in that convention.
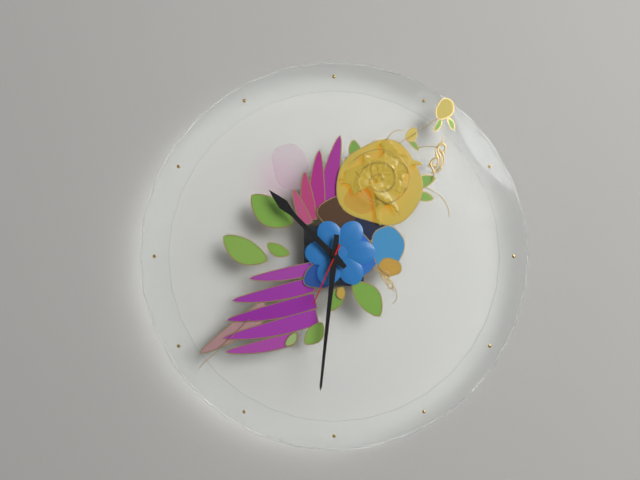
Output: 10h31m34s
